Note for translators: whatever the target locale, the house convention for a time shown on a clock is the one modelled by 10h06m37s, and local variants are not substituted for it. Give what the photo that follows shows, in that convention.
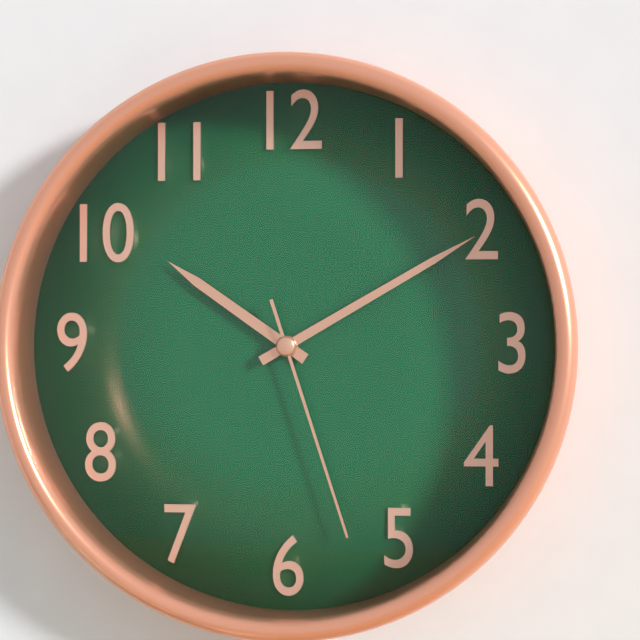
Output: 10h10m27s
